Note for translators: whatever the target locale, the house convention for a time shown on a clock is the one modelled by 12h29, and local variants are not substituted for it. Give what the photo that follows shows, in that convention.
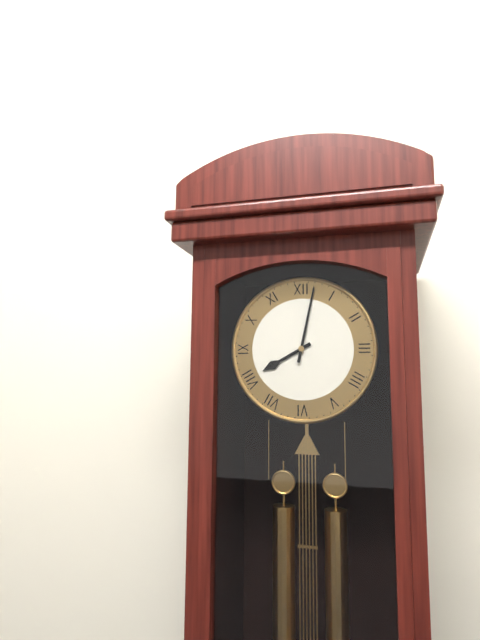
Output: 8h02
